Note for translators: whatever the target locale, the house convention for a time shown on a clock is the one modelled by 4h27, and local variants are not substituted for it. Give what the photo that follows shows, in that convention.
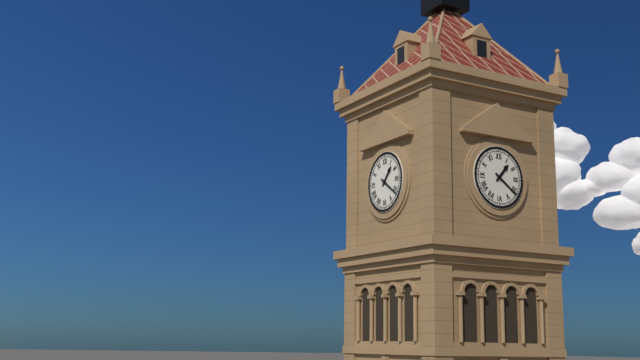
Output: 1h21
